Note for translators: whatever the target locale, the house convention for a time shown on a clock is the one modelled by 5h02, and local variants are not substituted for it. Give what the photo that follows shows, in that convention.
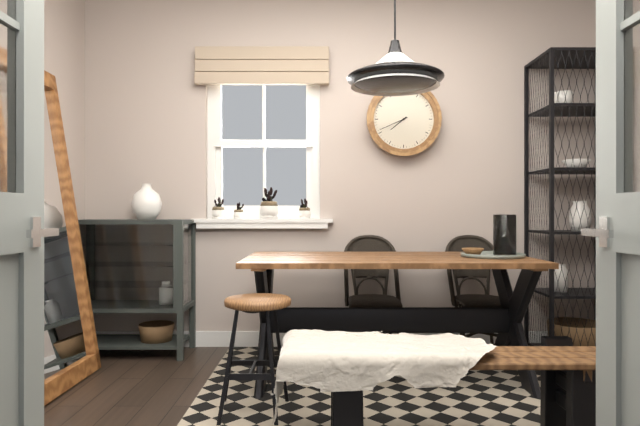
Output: 7h41
